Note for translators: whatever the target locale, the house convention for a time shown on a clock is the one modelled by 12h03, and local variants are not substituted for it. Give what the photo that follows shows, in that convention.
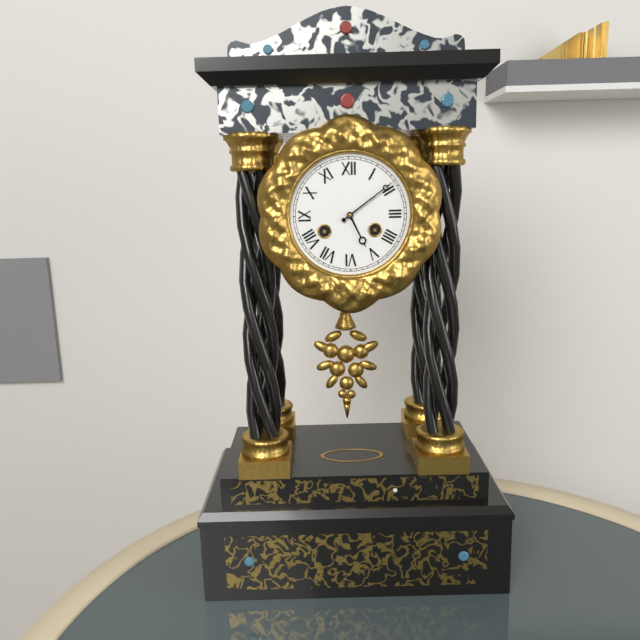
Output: 5h09
